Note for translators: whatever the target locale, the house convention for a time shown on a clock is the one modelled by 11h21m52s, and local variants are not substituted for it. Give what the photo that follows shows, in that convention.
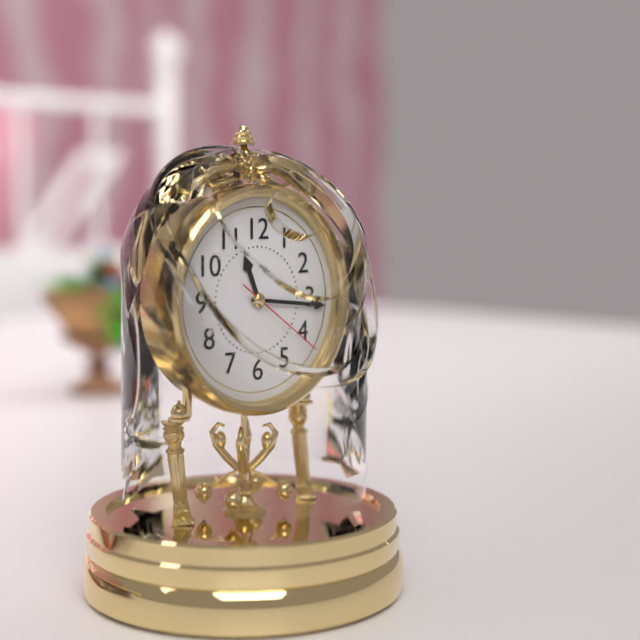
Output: 11h16m21s
